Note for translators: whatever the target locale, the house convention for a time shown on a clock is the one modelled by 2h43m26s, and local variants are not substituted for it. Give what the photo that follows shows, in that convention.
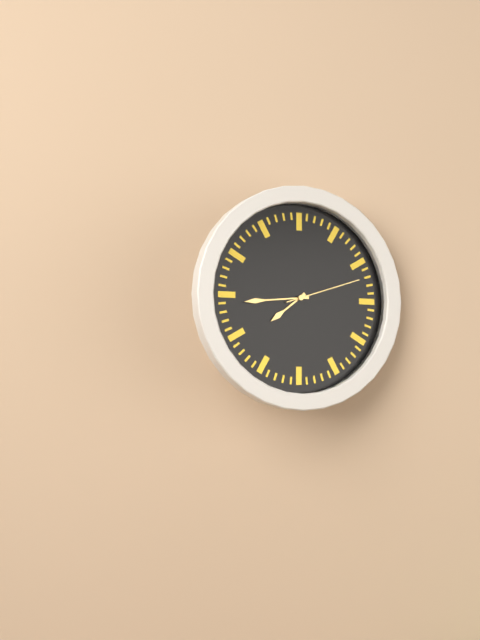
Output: 7h44m12s
